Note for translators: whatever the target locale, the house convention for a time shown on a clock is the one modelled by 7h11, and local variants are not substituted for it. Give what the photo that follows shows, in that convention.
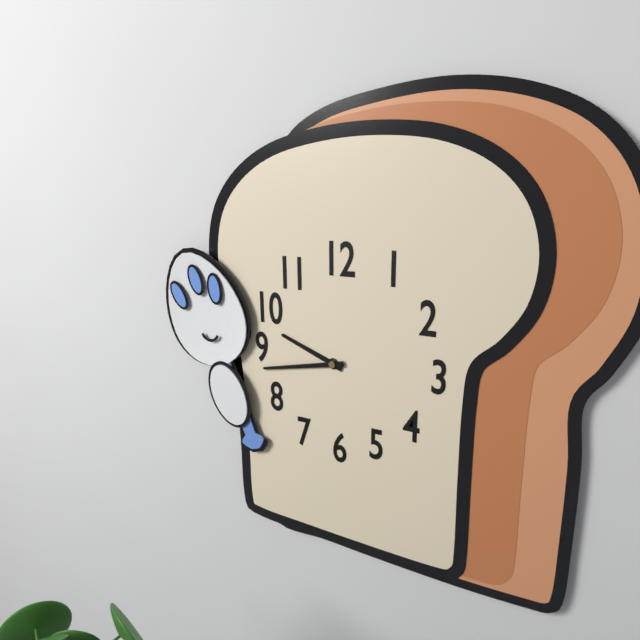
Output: 9h43
